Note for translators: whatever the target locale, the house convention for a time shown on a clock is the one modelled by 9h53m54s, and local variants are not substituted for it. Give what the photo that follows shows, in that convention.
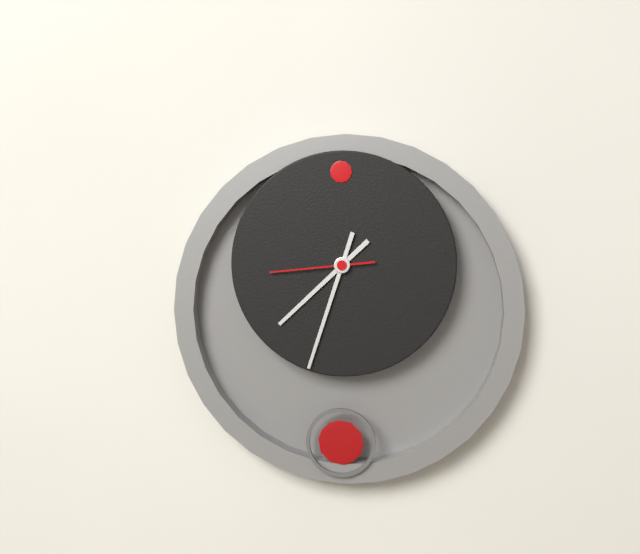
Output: 7h33m44s
